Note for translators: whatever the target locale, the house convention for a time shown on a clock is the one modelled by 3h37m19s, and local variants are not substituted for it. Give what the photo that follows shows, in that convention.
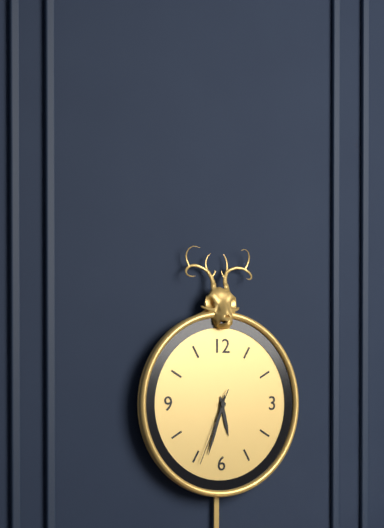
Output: 5h33m34s
